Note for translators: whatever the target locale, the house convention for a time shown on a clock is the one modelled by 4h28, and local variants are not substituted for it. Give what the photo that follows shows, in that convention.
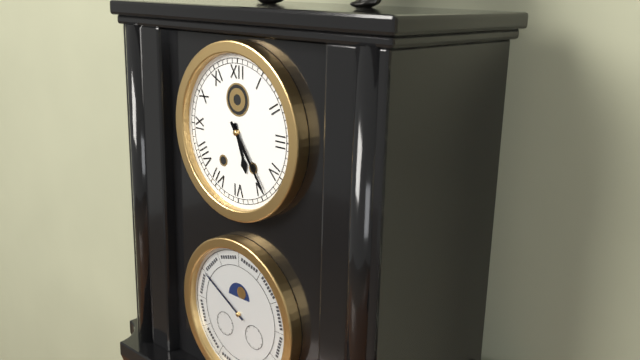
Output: 5h24
